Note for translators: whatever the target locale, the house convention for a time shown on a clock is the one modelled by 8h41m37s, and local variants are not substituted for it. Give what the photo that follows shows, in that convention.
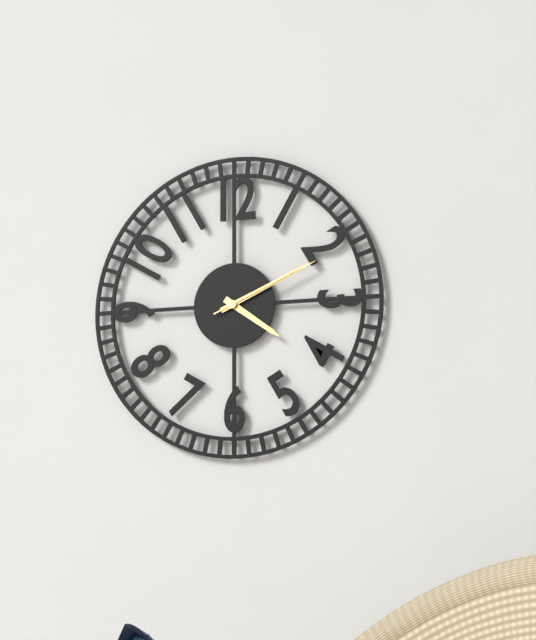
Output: 4h11m11s
